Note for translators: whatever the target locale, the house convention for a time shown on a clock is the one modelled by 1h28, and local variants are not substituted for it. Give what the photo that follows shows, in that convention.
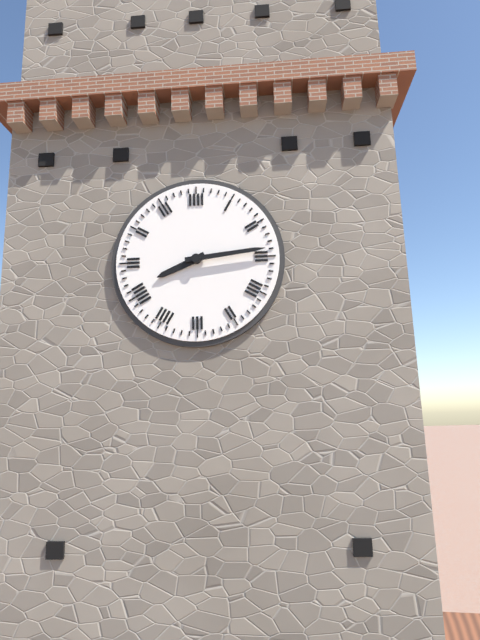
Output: 8h14
